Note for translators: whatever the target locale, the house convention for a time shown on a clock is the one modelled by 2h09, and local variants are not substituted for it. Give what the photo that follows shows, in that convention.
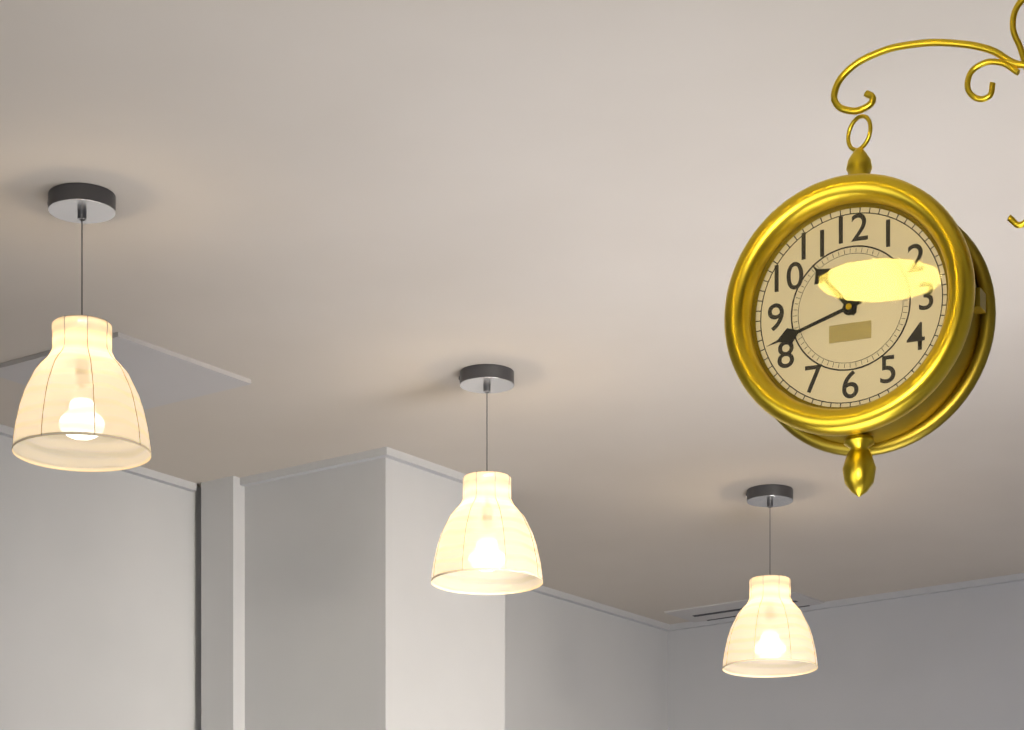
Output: 10h42
